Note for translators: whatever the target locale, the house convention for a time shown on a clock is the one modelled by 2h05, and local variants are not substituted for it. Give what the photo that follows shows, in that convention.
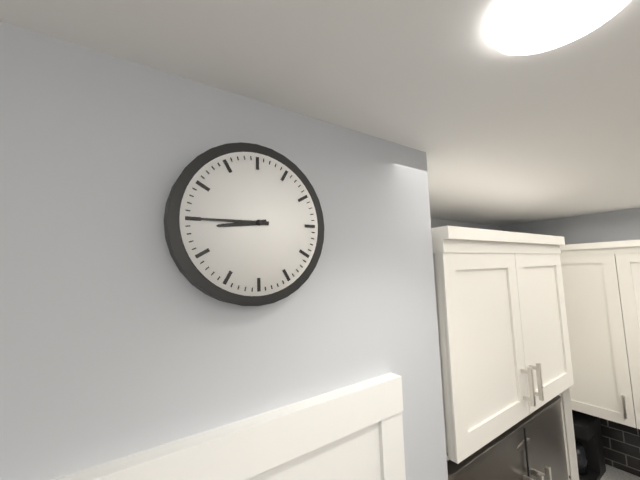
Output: 8h45
